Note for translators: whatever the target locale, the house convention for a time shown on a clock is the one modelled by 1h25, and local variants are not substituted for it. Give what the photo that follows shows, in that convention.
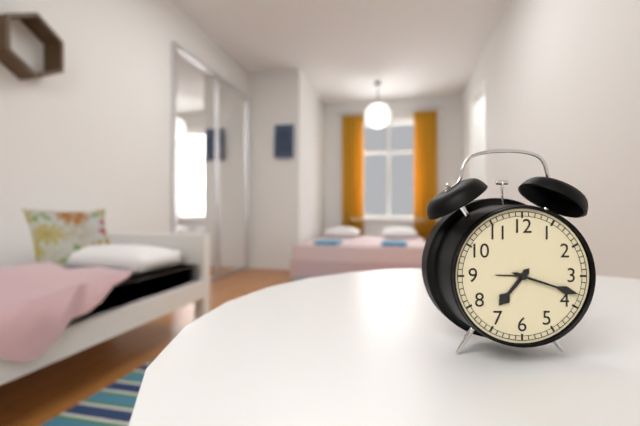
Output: 7h18
